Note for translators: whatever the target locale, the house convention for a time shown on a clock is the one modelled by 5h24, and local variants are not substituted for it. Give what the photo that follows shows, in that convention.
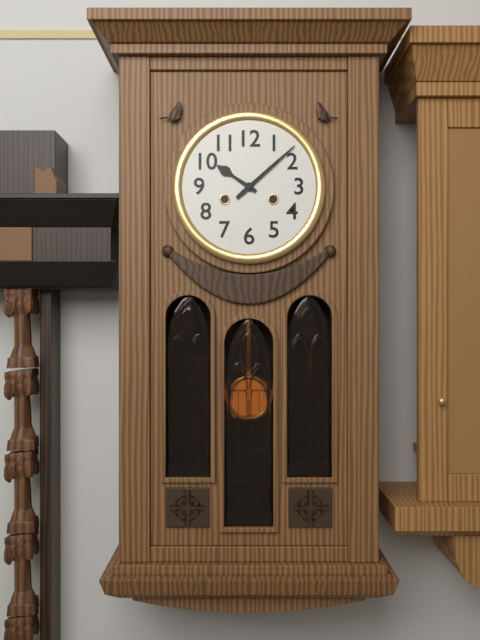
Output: 10h08
